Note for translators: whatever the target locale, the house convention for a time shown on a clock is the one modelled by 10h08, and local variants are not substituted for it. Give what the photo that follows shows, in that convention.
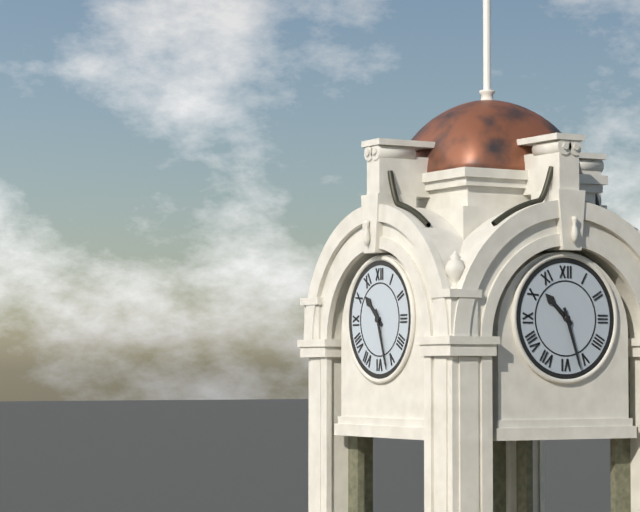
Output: 10h27
